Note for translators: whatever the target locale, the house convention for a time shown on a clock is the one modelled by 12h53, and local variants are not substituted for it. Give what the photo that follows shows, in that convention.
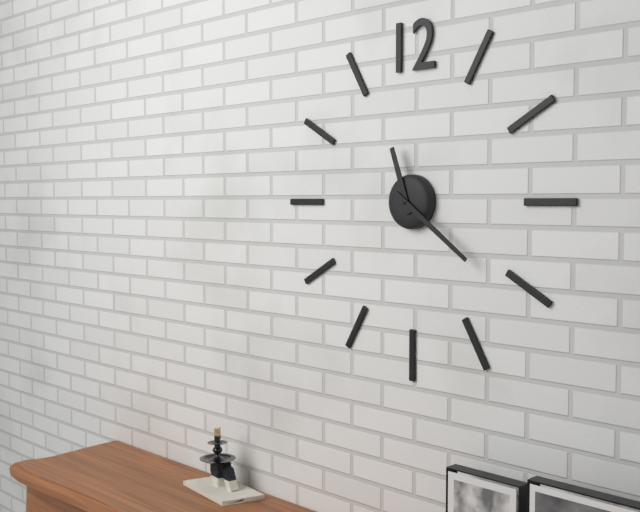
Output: 11h21
